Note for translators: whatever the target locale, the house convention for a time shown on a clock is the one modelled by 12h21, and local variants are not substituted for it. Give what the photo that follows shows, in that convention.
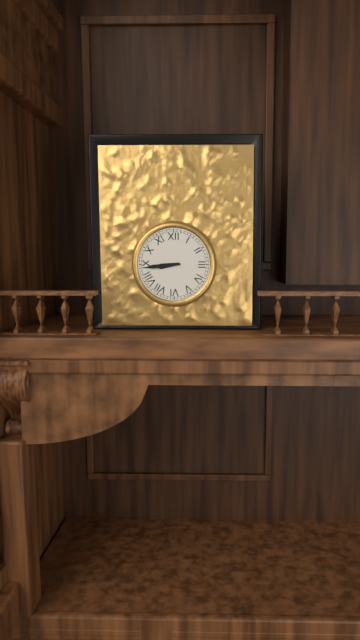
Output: 8h44
